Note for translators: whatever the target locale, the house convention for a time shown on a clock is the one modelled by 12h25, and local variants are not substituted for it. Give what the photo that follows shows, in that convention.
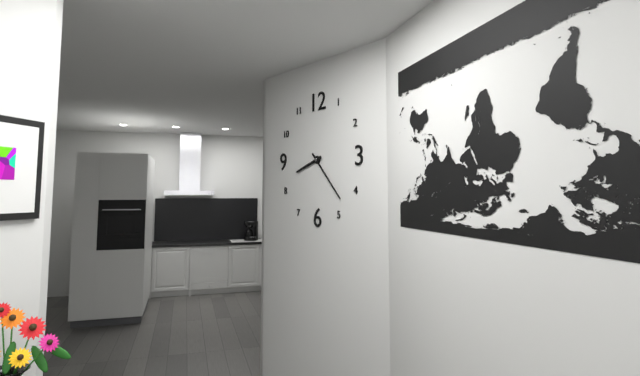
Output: 8h23
